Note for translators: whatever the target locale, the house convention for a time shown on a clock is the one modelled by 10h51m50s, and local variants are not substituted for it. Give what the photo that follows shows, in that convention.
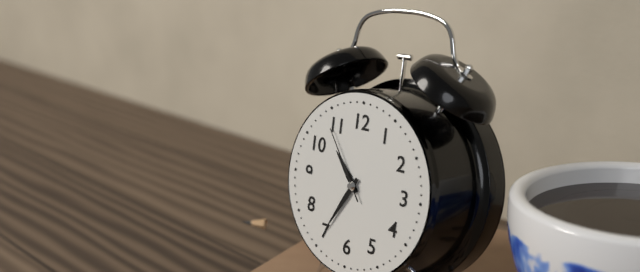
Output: 10h35m54s
